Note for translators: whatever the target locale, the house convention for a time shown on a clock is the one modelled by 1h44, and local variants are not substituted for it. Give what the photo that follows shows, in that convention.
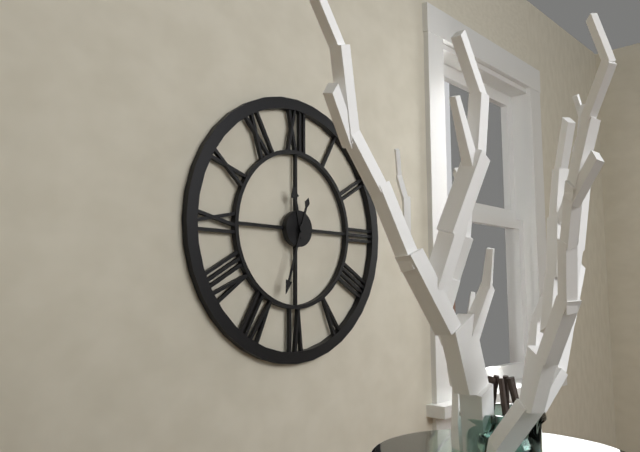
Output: 11h33
